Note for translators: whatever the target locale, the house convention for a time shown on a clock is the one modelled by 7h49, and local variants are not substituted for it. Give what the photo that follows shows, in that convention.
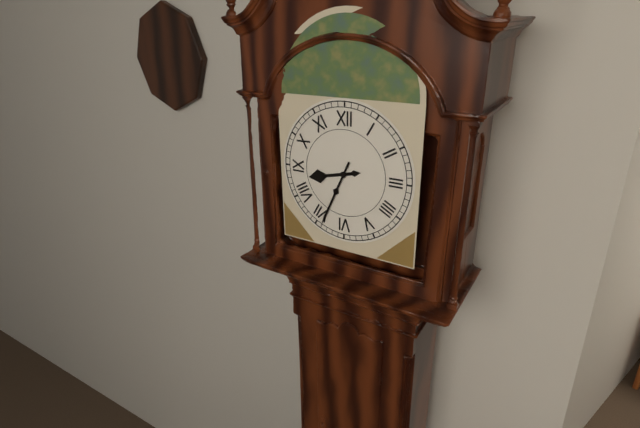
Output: 8h34
